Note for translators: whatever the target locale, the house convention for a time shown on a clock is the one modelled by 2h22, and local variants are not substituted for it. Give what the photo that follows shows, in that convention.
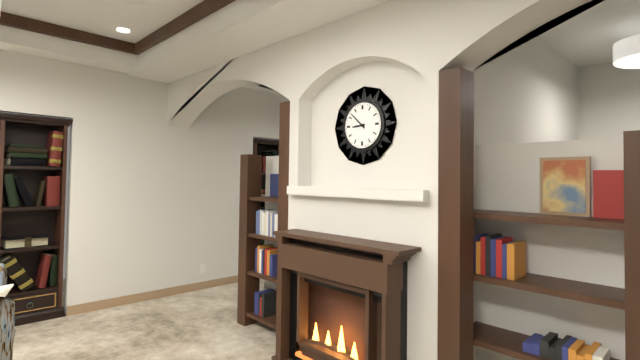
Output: 8h52
